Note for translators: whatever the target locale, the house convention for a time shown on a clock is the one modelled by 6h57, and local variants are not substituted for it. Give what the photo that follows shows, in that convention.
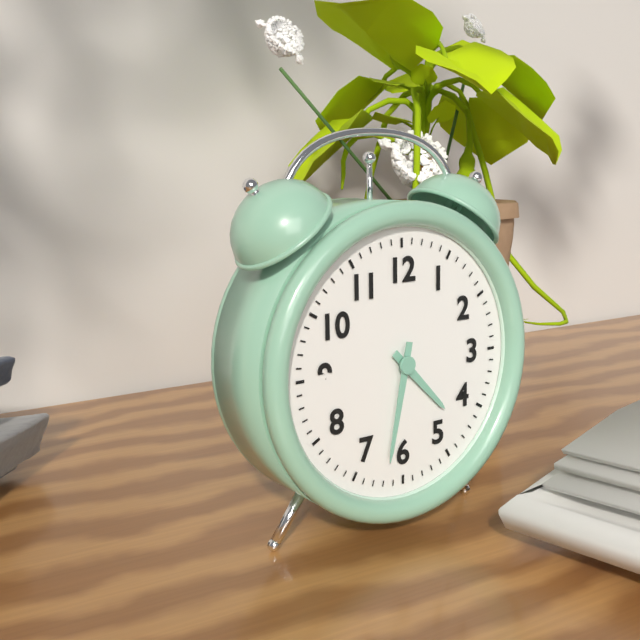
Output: 4h32
